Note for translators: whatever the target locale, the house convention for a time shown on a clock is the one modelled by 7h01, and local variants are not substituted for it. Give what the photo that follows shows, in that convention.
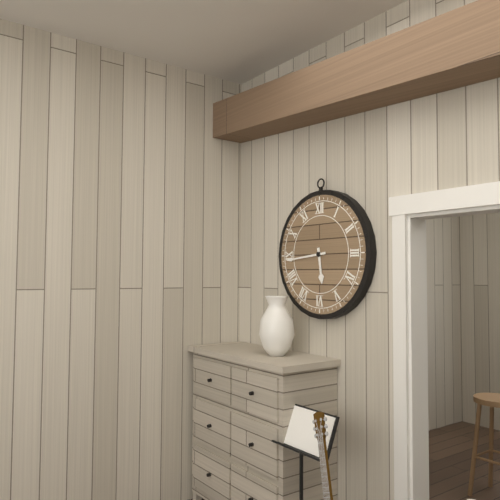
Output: 5h44
